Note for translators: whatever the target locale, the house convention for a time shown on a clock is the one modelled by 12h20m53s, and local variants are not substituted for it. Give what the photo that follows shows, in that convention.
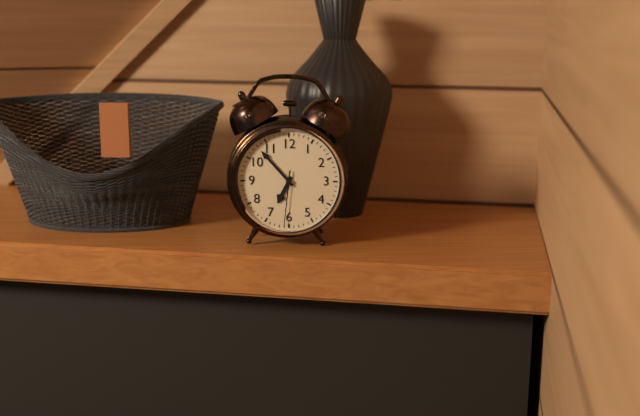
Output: 6h53m31s
